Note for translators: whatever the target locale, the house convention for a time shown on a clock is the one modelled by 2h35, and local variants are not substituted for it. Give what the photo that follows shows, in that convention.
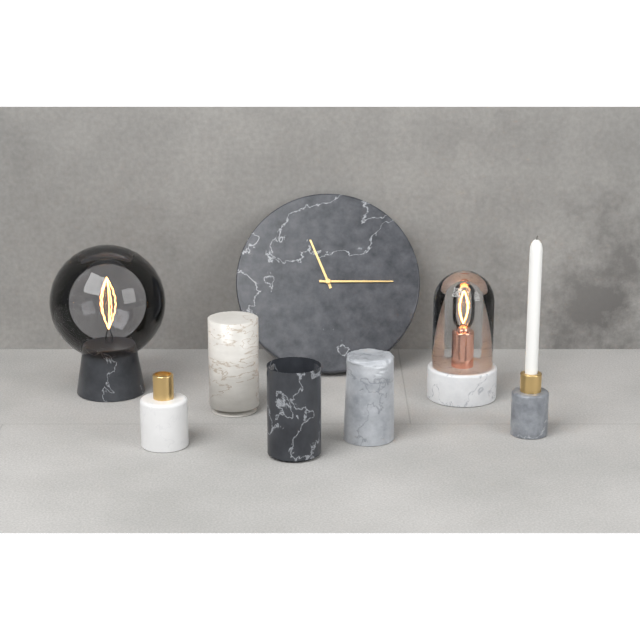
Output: 11h15
